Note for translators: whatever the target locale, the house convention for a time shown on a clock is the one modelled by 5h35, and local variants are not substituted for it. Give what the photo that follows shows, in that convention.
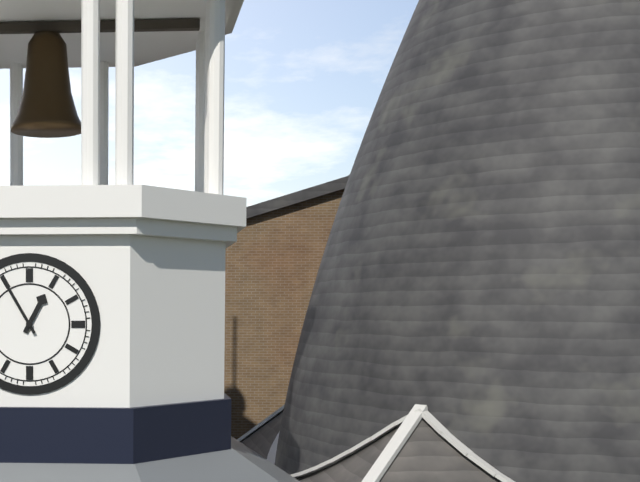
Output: 12h55
